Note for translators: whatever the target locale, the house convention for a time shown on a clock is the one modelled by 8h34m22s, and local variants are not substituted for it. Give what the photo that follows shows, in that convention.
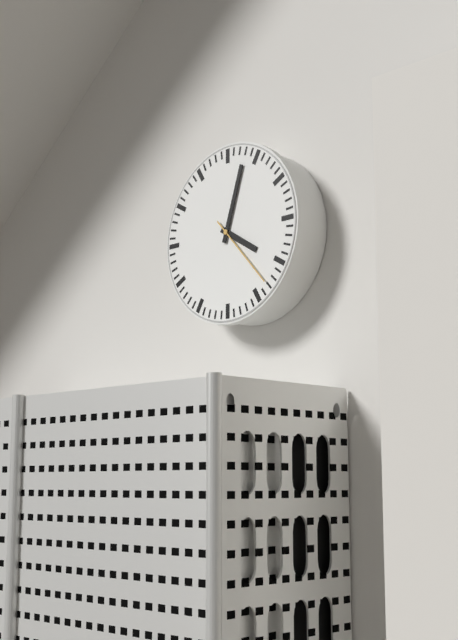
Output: 4h03m23s
